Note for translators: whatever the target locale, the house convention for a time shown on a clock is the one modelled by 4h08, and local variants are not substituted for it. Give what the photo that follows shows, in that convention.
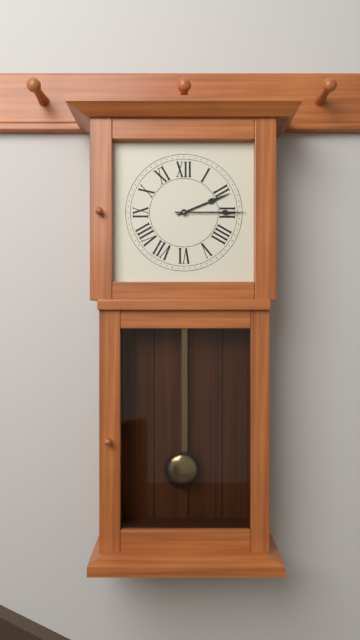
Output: 2h15
